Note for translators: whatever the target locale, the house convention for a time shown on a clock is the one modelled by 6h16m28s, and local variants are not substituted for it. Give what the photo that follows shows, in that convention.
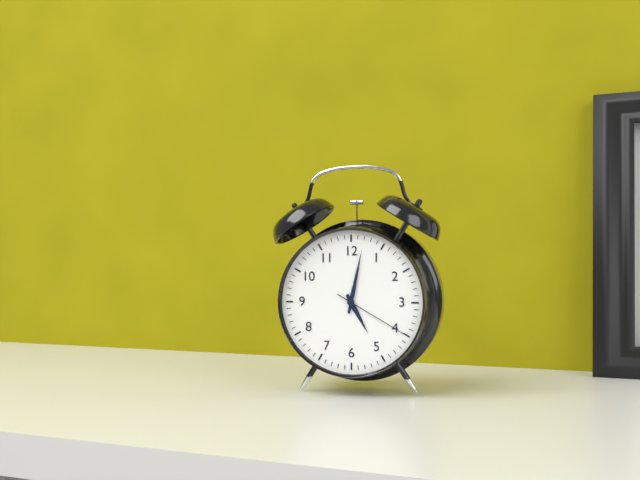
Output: 5h02m20s
